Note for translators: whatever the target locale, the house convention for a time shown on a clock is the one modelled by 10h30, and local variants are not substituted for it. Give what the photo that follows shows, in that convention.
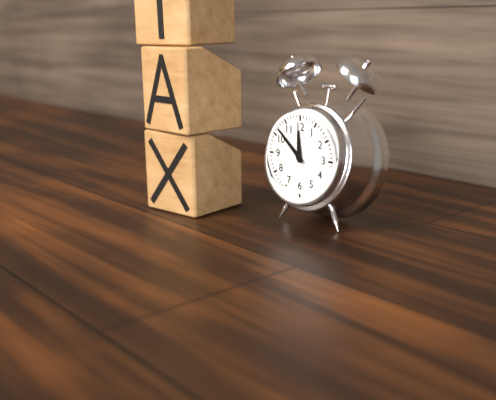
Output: 11h52
